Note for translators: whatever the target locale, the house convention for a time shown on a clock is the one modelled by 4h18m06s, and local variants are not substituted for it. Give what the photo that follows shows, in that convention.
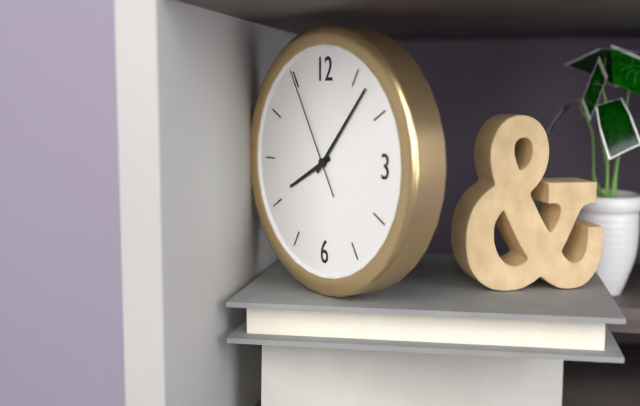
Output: 8h07m55s
